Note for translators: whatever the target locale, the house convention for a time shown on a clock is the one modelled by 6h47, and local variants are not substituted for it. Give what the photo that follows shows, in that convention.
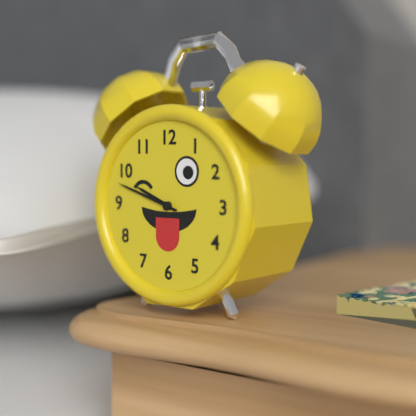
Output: 9h48
